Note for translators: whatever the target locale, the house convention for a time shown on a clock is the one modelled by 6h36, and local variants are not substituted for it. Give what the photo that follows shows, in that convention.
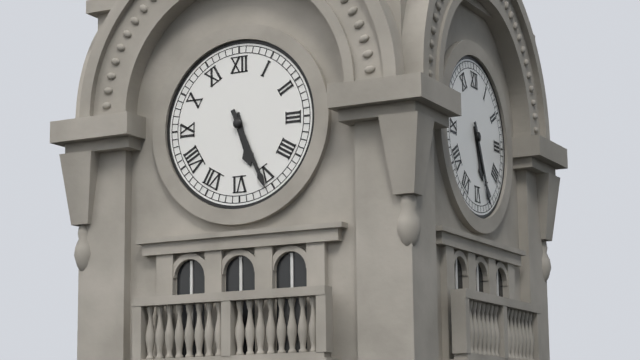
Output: 5h26
